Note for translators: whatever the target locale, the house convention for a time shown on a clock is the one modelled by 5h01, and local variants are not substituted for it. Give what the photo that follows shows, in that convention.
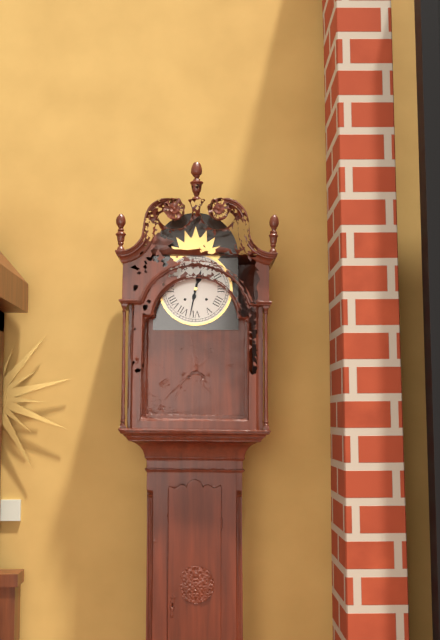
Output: 12h32
